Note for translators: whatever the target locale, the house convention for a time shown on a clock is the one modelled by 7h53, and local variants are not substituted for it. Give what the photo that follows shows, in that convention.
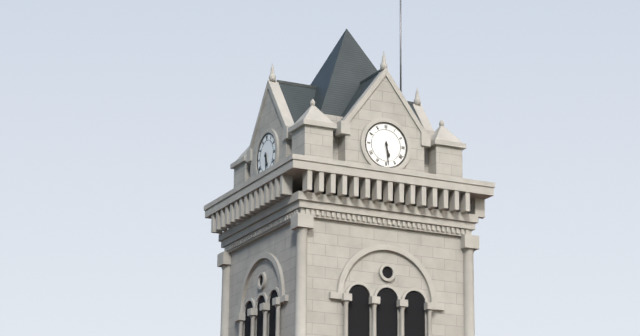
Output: 5h29
